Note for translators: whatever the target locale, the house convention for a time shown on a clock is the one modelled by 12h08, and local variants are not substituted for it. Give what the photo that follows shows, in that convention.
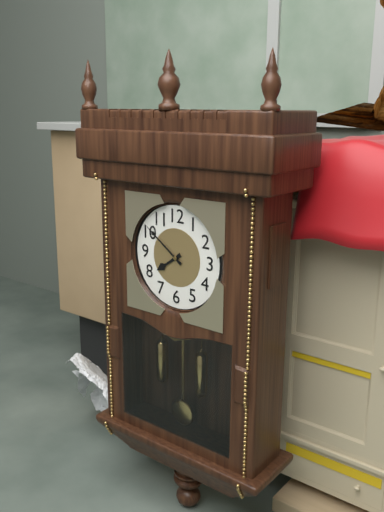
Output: 7h51
